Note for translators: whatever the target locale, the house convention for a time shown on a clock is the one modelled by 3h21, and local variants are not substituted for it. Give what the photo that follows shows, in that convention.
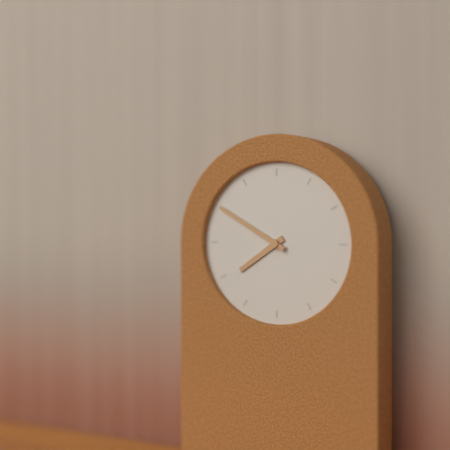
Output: 7h50
